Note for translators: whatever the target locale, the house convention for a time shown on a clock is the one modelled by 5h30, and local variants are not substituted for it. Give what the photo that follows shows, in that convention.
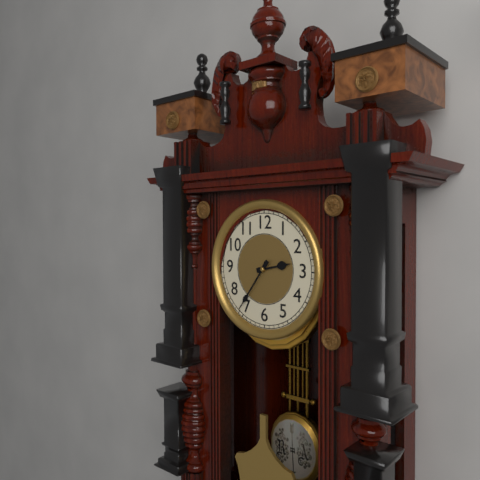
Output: 2h36
